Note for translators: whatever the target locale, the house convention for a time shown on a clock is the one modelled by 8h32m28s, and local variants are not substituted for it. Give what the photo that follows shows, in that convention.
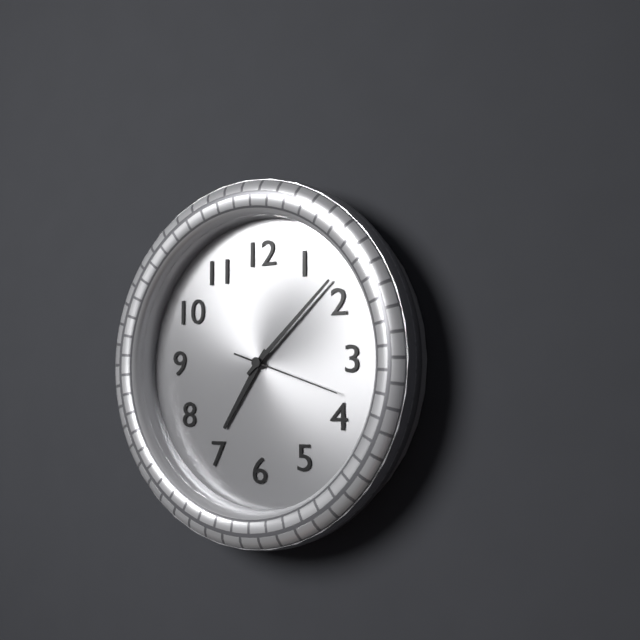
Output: 7h08m18s
